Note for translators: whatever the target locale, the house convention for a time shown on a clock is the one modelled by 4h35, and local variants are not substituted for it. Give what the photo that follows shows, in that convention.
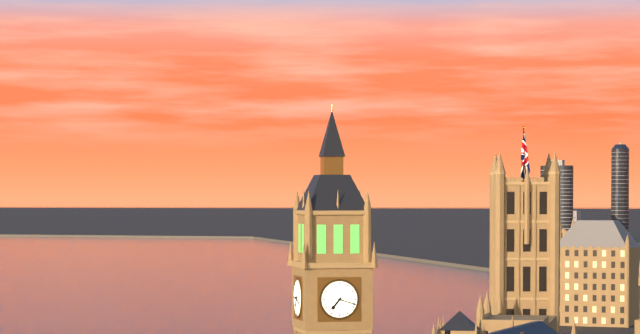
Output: 7h18
